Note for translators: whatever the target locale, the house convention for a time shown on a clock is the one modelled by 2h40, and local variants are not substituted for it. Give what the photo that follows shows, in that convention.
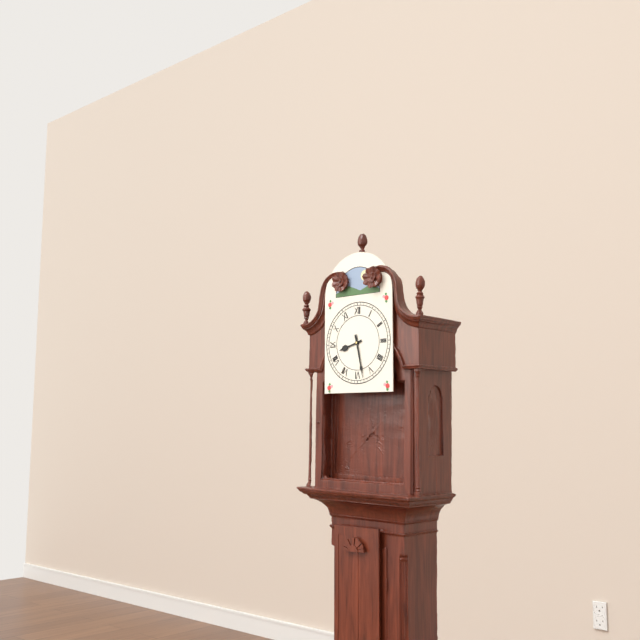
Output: 8h28
